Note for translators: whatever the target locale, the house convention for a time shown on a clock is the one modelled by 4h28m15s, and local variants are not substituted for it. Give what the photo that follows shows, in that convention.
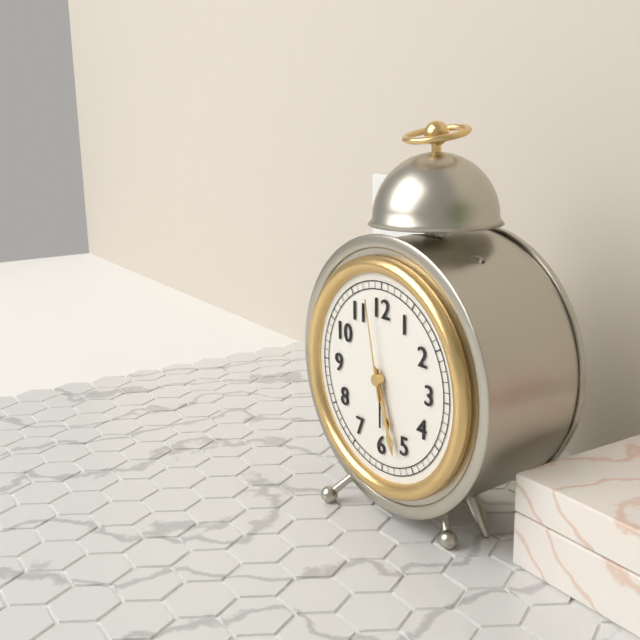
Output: 5h27m58s
